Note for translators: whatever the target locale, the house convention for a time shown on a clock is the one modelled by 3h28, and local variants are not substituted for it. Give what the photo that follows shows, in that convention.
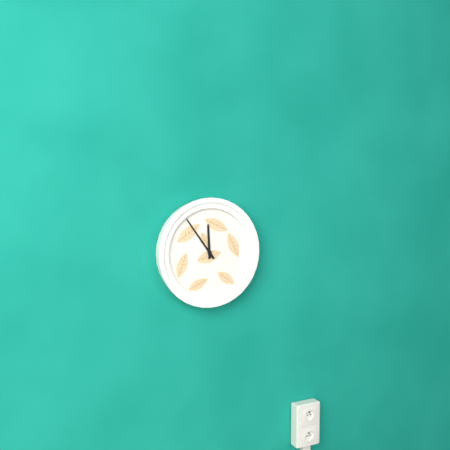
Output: 11h54
